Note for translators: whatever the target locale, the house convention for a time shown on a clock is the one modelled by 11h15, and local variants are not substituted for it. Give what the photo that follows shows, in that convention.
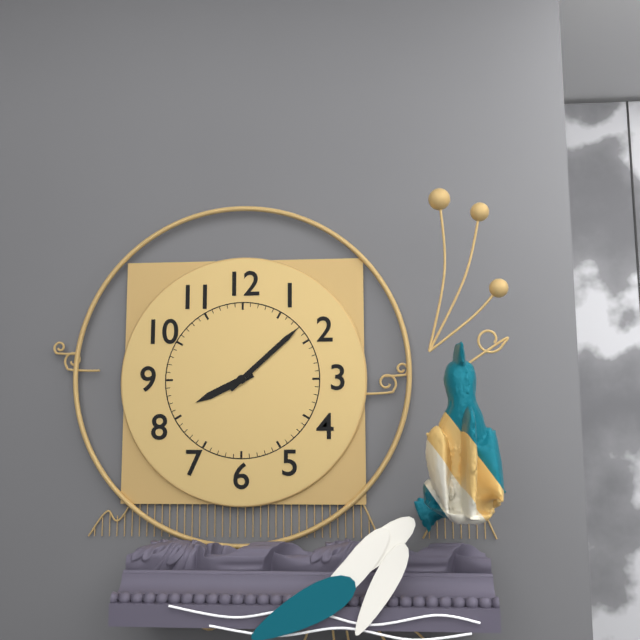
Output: 8h08
